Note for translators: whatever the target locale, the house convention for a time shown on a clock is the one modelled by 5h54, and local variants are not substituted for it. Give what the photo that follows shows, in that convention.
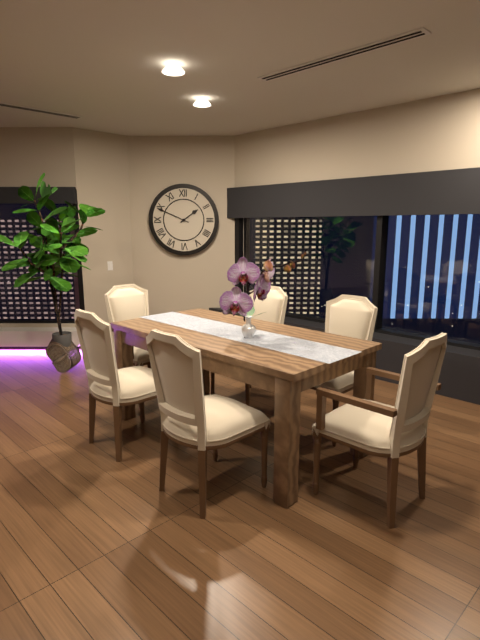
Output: 1h49
